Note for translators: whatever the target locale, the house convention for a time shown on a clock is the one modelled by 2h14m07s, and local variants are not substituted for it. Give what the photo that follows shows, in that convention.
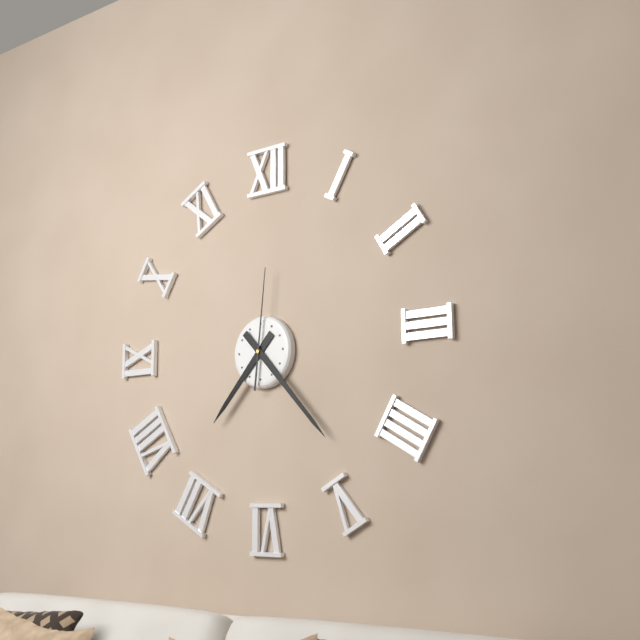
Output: 7h23m01s
